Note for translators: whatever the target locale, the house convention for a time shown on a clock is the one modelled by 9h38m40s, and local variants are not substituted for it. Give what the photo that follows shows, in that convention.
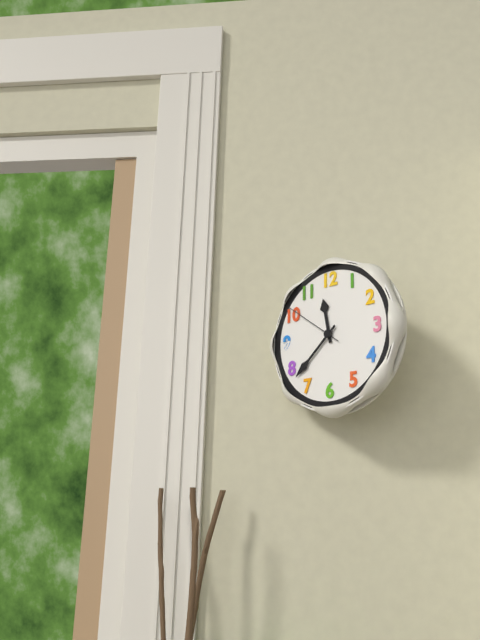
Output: 11h38m51s
